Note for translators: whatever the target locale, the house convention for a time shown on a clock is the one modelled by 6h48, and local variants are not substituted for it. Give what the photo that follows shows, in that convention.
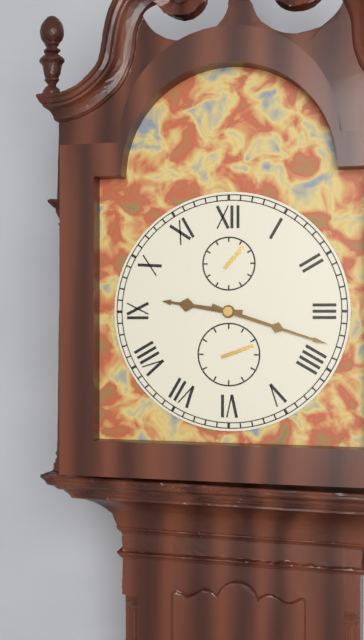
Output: 9h18
